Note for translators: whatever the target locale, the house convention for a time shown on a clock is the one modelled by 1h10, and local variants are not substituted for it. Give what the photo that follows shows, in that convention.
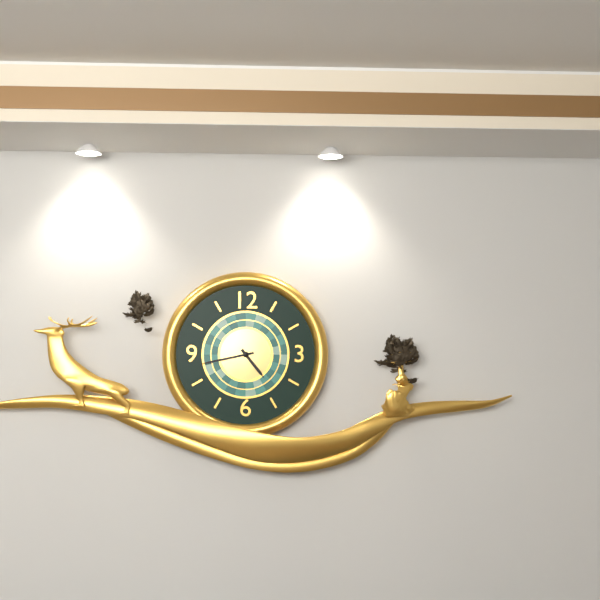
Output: 4h43
